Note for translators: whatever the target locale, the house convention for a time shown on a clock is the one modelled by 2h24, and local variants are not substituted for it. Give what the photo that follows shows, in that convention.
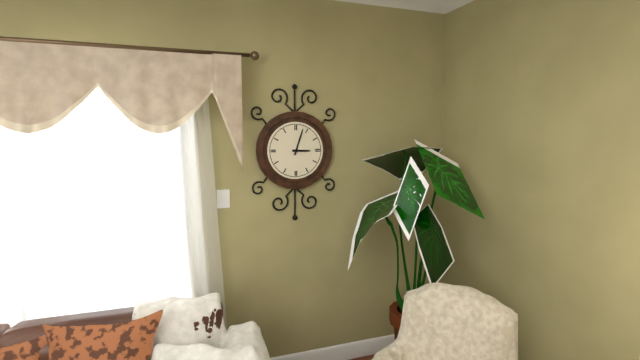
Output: 3h03
